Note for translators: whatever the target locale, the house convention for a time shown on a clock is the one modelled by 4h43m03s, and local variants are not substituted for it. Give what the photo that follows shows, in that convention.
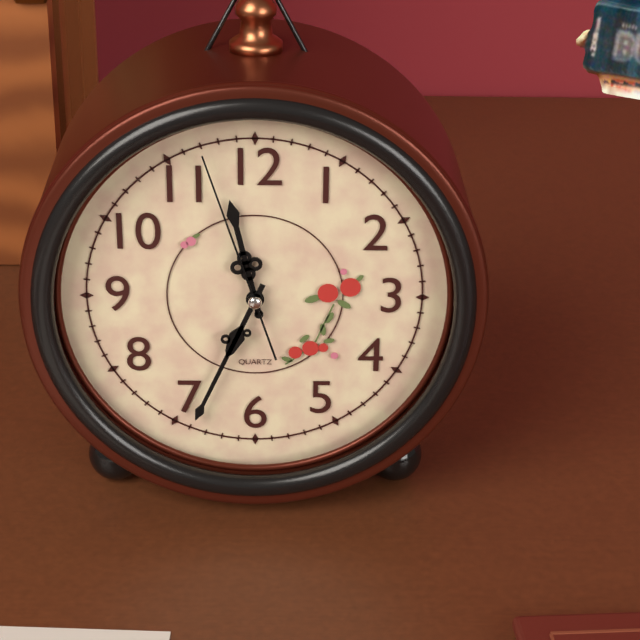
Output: 11h34m57s
